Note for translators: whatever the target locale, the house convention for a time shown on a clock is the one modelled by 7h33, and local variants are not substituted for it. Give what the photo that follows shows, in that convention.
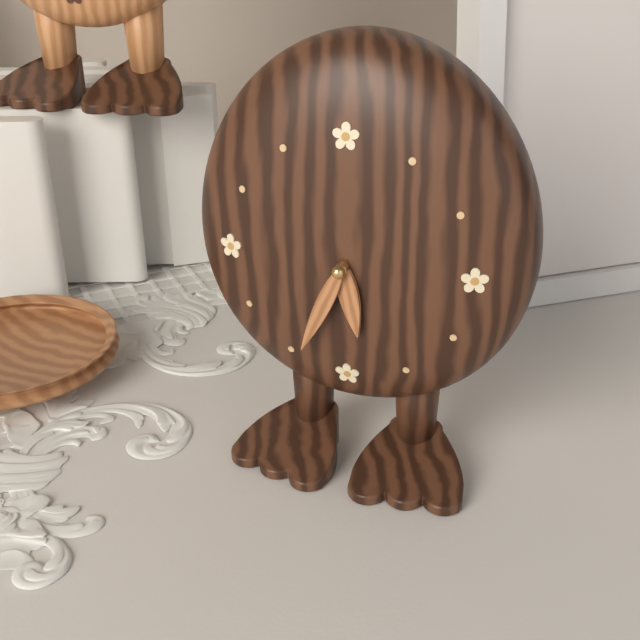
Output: 5h34
